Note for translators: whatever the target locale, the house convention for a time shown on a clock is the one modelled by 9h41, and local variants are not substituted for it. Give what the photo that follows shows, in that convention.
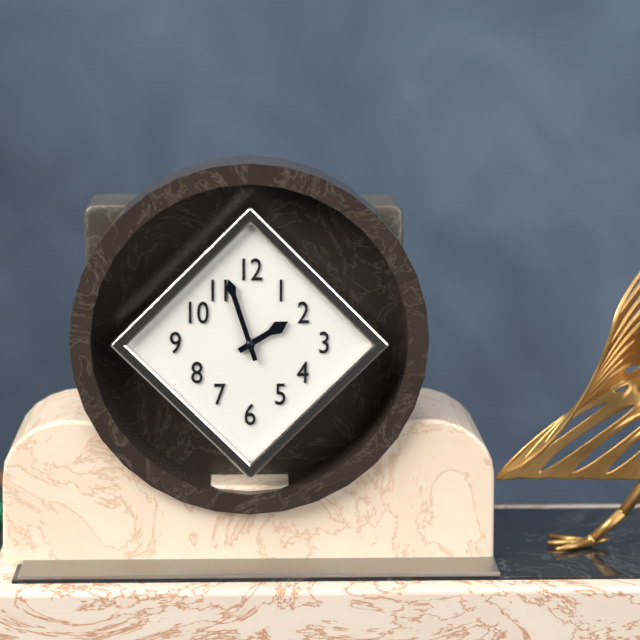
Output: 1h57
